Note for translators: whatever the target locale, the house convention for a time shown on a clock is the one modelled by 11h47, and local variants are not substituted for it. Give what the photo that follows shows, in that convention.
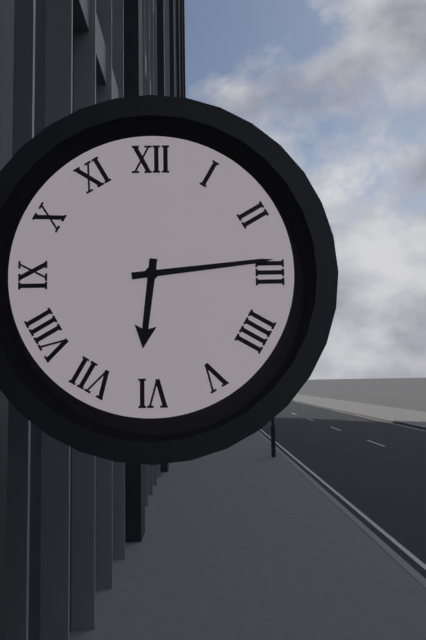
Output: 6h14
